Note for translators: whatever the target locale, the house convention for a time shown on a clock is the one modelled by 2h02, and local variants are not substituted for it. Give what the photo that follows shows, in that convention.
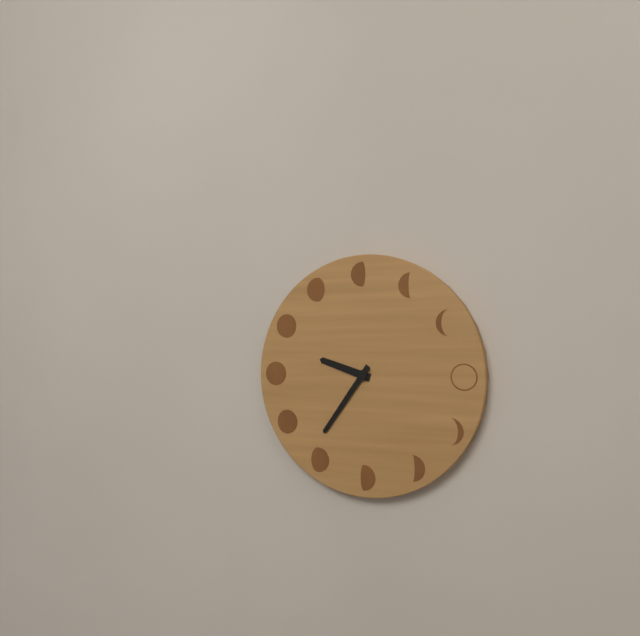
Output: 9h36
